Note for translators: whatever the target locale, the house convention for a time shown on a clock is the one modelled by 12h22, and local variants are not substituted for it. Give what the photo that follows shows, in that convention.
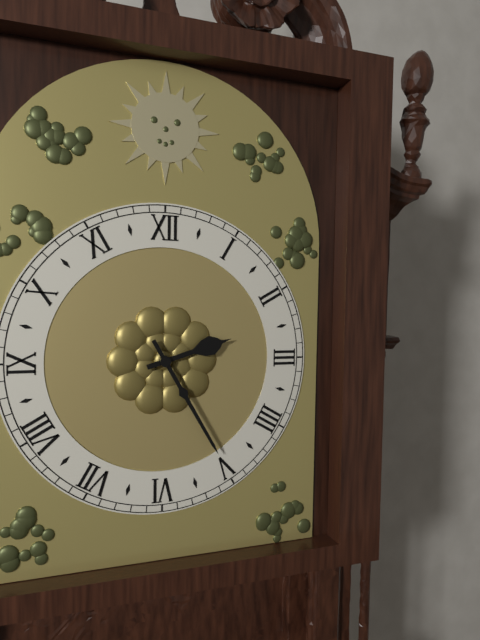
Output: 2h25
